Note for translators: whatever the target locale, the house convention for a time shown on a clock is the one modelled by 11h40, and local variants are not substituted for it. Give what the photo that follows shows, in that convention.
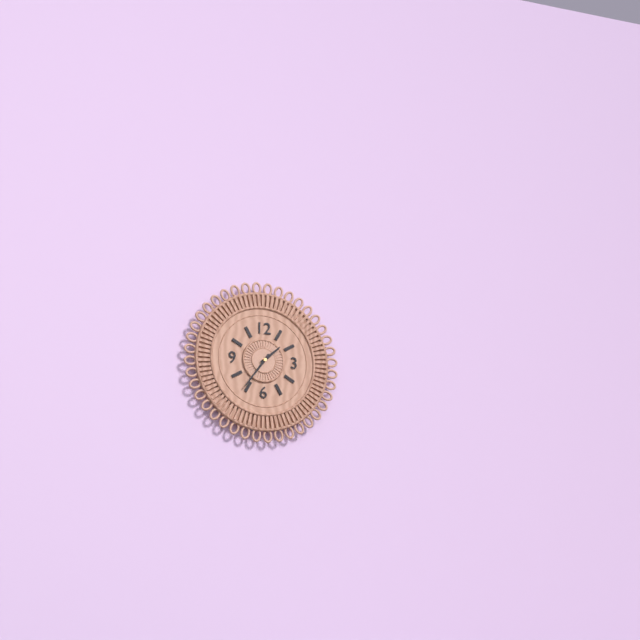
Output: 1h36
